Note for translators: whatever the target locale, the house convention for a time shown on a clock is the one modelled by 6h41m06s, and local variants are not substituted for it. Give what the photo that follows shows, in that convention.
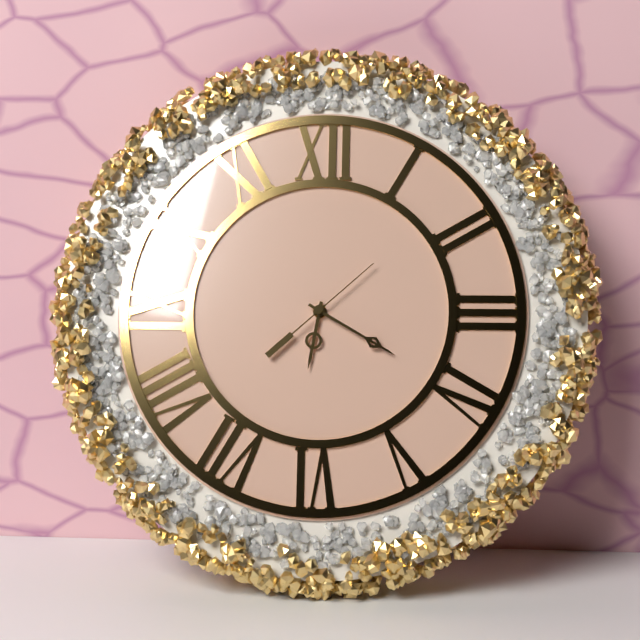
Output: 6h20m08s
